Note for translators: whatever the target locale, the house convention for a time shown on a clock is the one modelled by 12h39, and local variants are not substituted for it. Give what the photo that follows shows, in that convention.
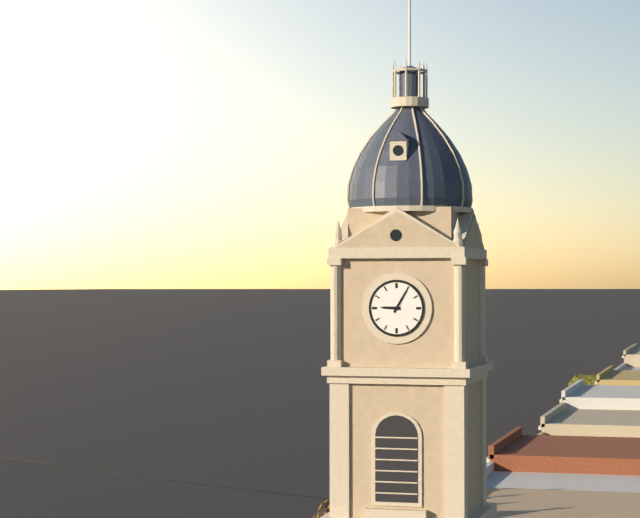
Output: 9h05
